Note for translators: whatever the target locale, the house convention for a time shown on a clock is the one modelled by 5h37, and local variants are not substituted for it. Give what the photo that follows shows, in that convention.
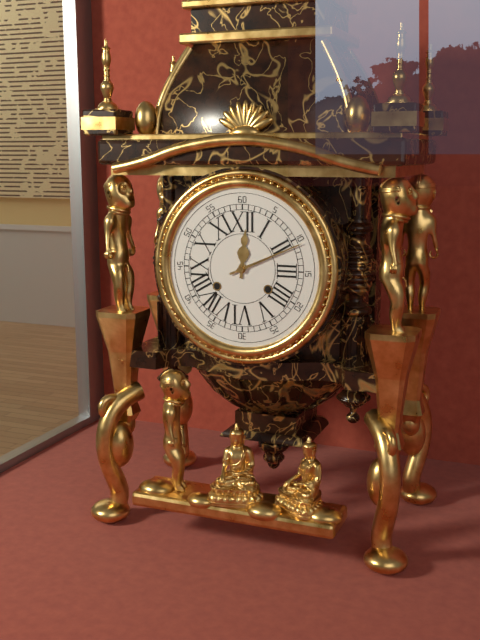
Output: 12h11
